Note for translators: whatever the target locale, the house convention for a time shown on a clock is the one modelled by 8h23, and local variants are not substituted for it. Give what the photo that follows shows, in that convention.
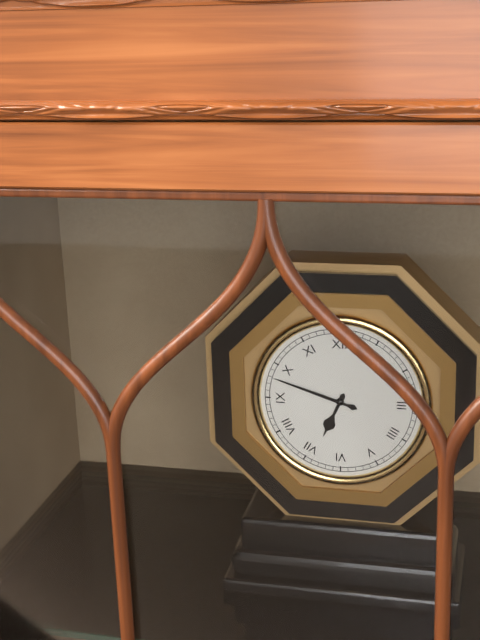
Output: 6h48
